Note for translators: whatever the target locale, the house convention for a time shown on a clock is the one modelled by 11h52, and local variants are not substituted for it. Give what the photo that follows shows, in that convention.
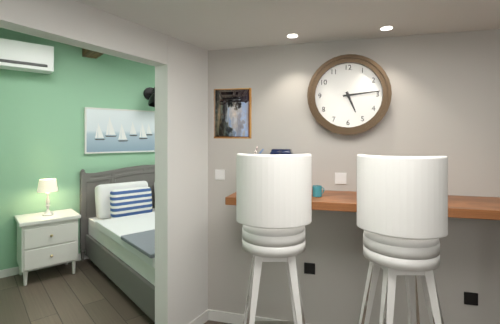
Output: 5h14
